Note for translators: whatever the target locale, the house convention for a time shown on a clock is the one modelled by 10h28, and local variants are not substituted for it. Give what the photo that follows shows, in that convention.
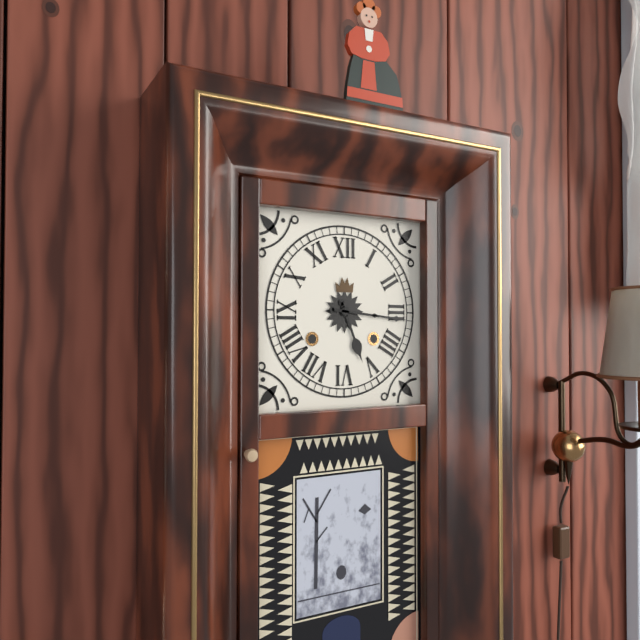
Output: 5h16
